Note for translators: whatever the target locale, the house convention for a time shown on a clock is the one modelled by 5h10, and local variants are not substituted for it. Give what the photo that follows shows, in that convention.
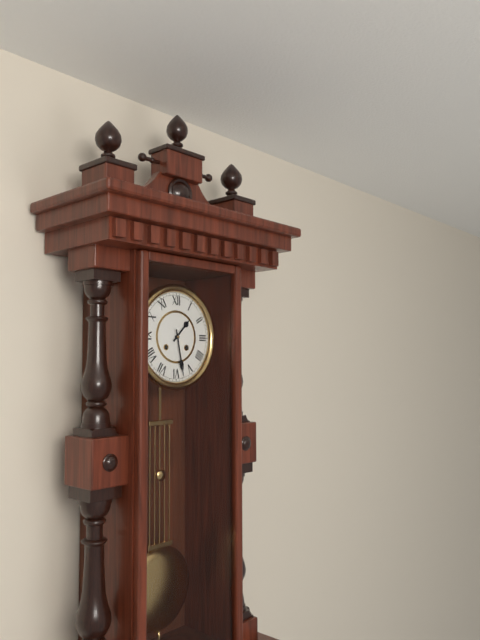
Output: 1h28
